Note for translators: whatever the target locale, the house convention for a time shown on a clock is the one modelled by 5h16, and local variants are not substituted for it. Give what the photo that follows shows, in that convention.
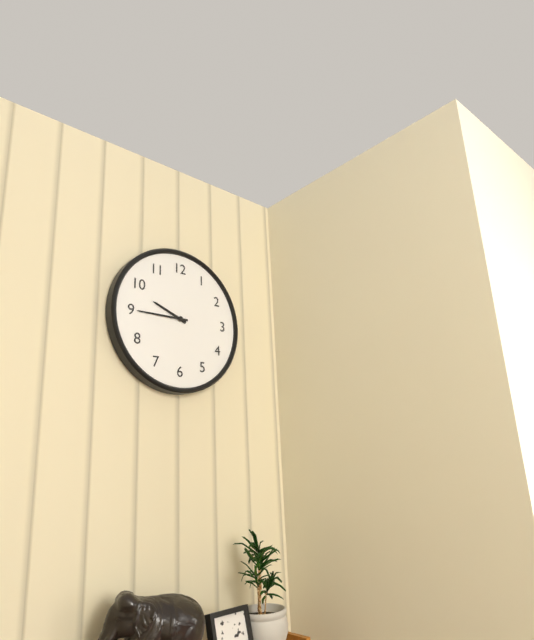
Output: 9h45
